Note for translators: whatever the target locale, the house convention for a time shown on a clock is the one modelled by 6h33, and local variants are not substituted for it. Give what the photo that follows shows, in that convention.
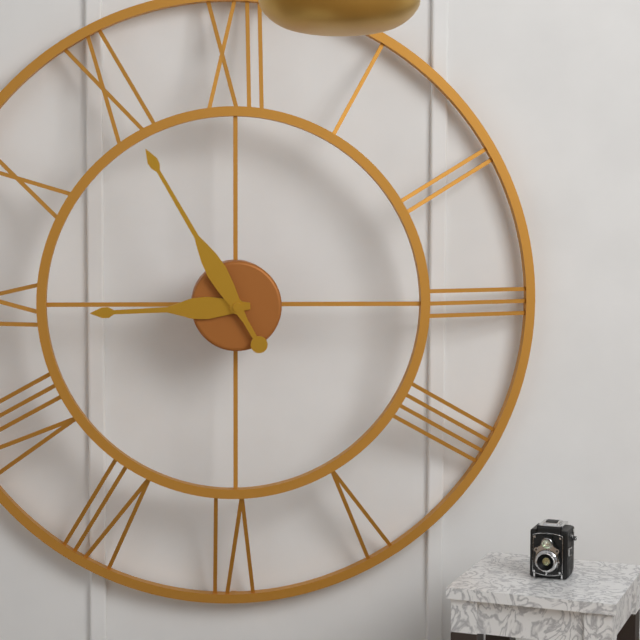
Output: 8h55
